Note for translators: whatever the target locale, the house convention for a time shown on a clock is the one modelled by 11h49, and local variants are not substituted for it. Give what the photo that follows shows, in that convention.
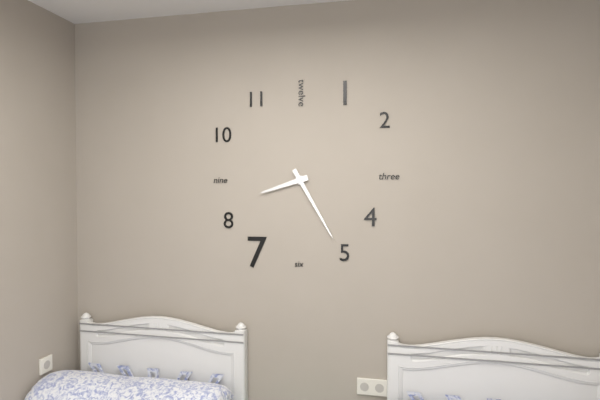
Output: 8h25
